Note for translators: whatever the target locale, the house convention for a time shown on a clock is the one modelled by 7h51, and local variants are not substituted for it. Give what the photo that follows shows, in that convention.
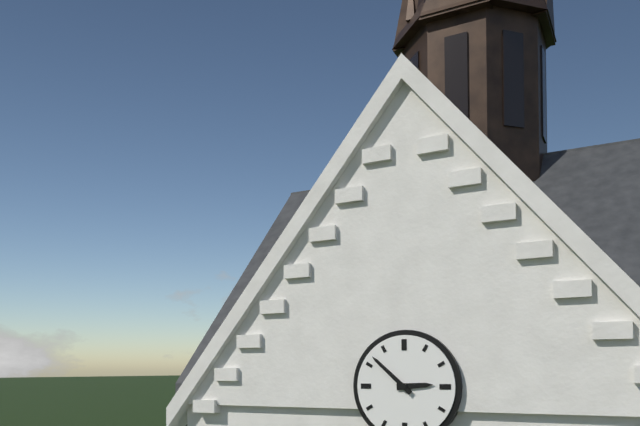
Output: 2h52
